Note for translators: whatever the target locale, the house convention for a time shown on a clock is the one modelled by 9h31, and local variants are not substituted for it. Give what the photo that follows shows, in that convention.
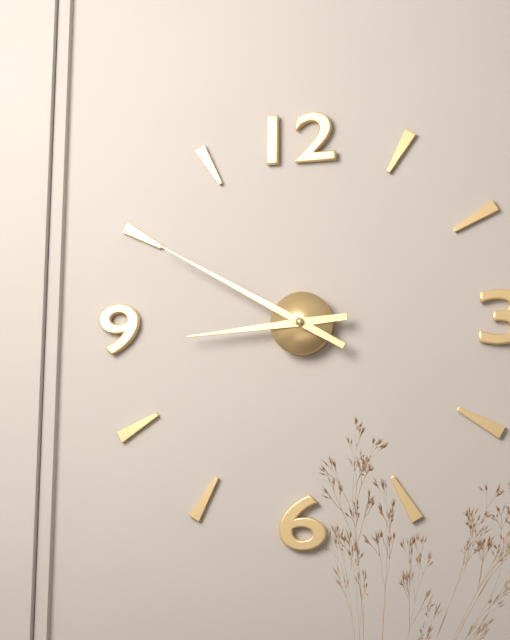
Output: 8h50
